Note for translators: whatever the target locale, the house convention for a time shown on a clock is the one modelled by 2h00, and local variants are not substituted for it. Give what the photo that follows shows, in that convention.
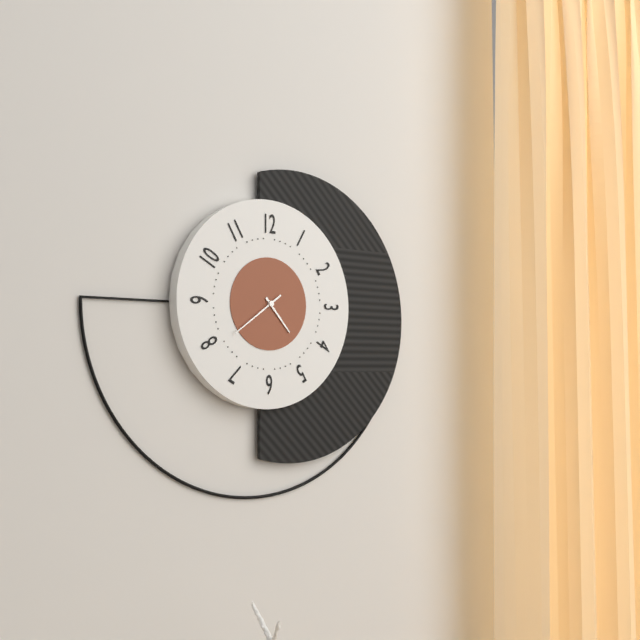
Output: 4h39
